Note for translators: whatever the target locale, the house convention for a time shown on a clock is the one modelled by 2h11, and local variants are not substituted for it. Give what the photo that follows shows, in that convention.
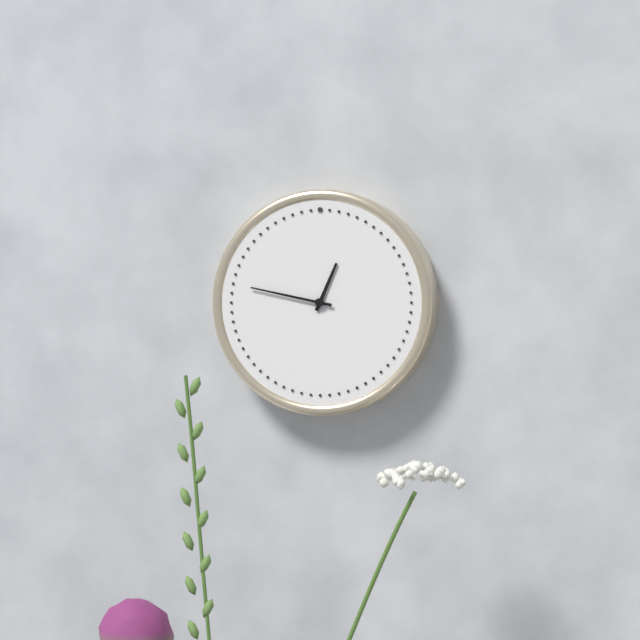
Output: 12h47
